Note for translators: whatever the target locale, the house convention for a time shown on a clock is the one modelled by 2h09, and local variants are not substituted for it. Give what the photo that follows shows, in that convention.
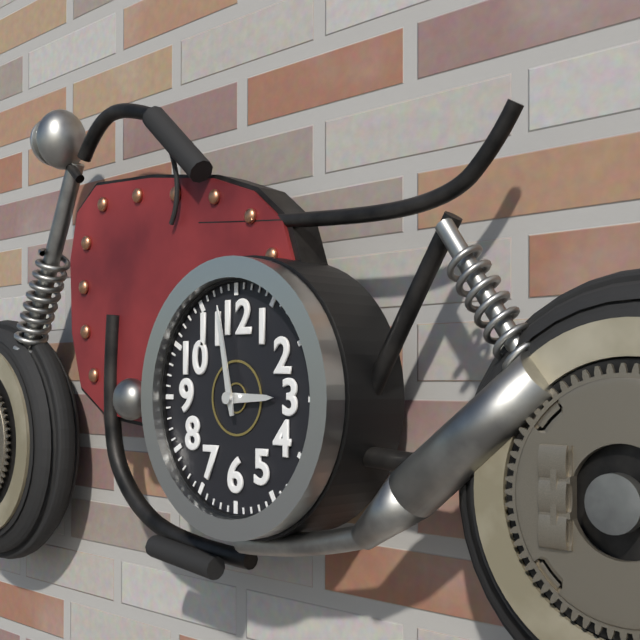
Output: 2h58
